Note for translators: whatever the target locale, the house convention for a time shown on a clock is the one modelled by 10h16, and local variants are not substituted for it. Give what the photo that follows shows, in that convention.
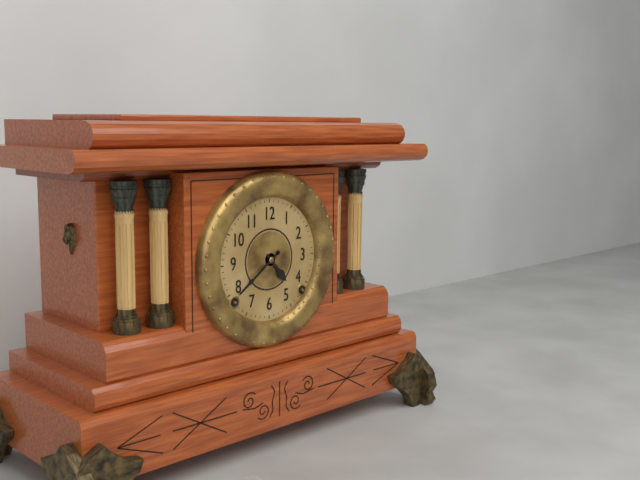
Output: 4h39
